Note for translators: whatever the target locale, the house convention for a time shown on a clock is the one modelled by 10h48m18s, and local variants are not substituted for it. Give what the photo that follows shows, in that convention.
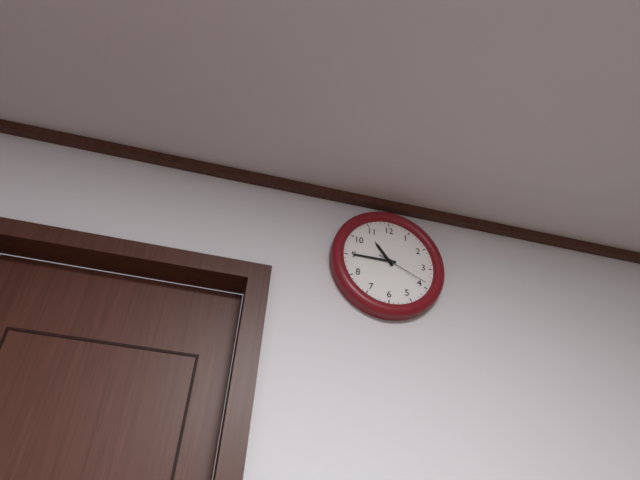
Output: 10h45m19s
